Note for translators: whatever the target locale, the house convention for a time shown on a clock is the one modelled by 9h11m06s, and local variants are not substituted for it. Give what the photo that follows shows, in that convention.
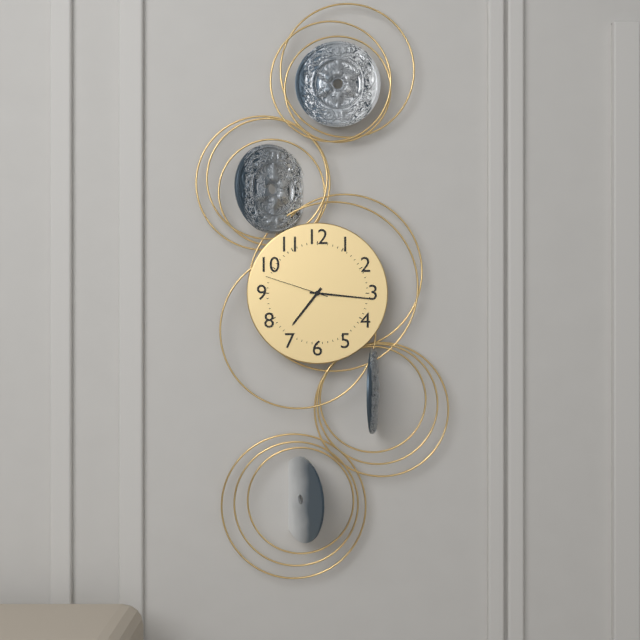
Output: 7h16m48s
